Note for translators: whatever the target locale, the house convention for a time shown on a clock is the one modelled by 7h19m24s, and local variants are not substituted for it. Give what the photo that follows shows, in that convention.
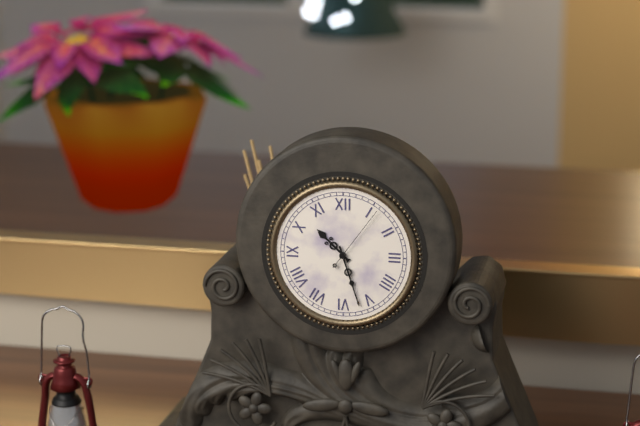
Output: 10h27m06s
